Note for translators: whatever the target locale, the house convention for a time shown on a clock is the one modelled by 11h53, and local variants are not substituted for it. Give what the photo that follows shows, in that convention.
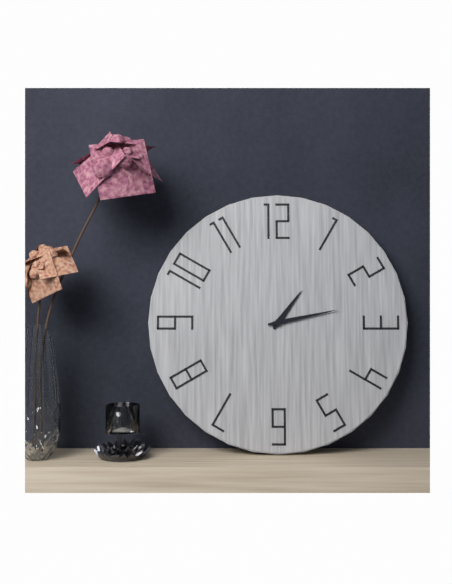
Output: 1h13
